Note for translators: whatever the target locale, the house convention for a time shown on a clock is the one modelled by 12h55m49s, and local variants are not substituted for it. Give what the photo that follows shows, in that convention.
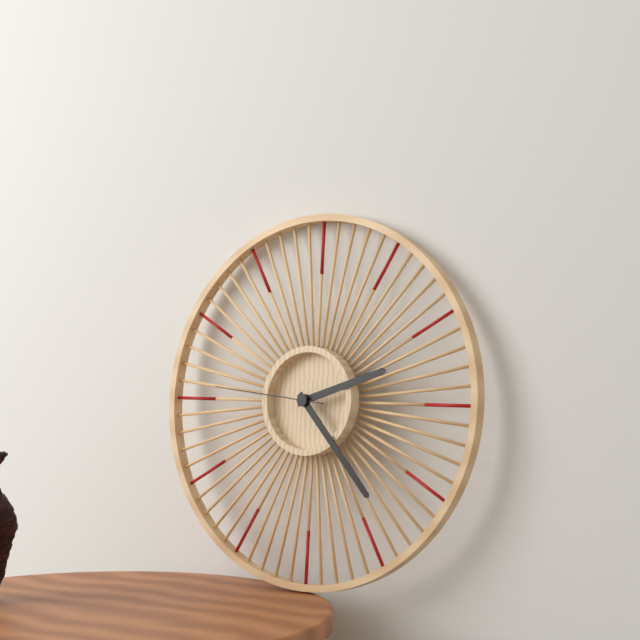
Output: 2h23m46s
